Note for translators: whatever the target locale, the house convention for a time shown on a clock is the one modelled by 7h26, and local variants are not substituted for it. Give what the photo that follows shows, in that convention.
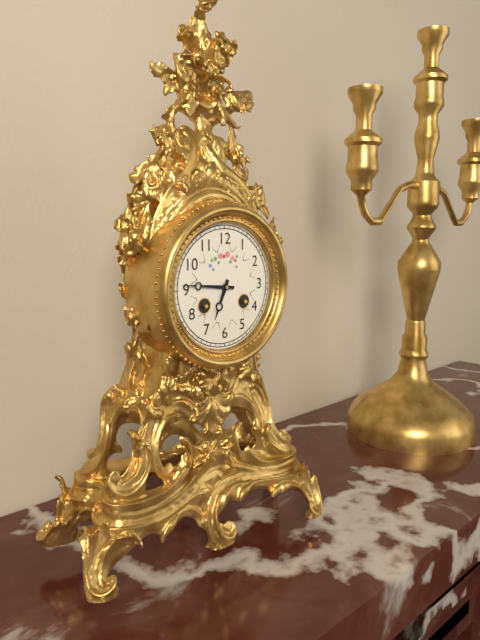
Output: 6h46
